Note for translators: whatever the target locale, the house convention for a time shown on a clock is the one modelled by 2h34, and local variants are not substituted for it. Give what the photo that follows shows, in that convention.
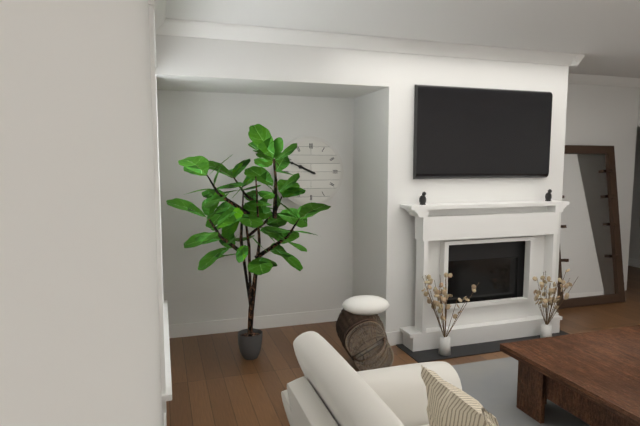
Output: 9h49
